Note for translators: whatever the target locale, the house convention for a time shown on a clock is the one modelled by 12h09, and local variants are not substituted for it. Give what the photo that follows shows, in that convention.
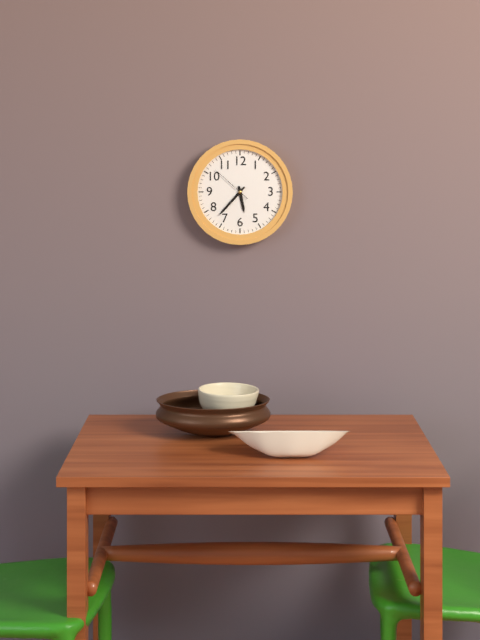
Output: 5h37
